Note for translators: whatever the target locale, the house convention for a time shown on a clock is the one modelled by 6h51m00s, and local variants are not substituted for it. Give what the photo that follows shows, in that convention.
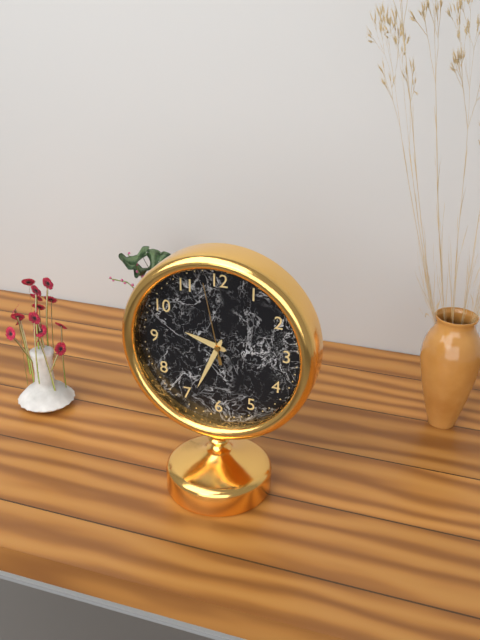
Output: 9h34m58s
